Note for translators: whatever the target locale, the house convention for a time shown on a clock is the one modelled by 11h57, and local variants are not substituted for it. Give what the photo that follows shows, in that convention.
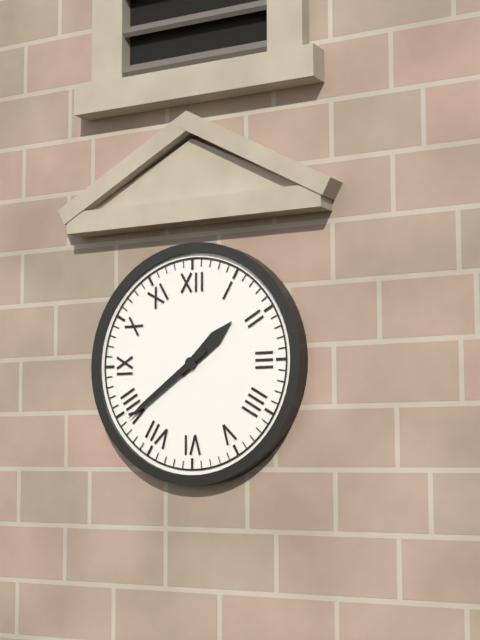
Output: 1h39
